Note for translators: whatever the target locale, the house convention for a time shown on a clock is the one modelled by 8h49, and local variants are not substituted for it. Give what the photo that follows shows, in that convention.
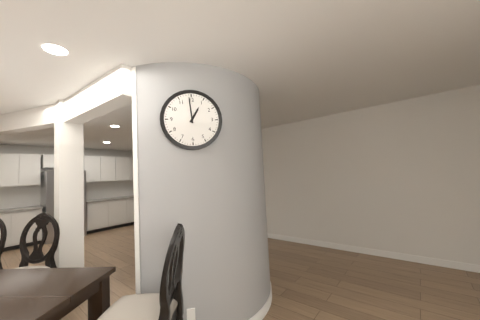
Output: 12h59
